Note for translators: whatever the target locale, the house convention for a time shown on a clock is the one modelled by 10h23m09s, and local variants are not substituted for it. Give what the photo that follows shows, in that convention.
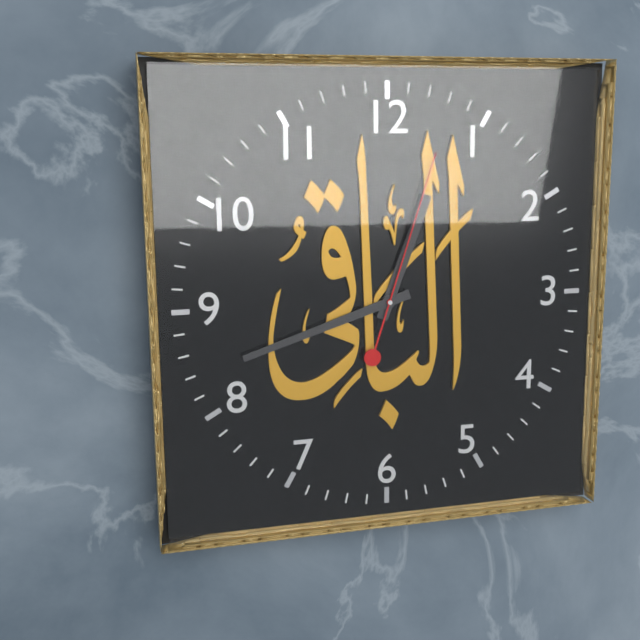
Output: 12h42m03s
